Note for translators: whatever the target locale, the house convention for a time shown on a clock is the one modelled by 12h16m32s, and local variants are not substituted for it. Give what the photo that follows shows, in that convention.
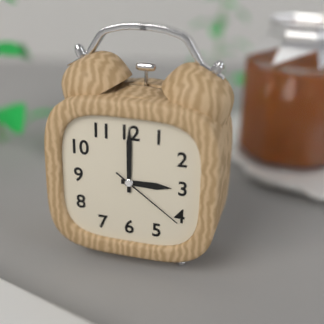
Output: 3h00m21s
